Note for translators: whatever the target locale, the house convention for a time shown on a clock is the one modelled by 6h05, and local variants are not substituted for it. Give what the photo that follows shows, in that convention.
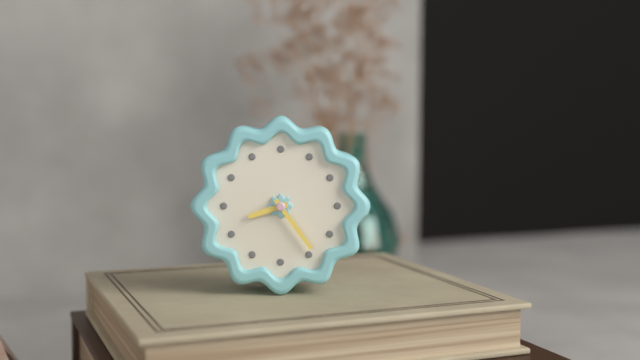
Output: 8h24
